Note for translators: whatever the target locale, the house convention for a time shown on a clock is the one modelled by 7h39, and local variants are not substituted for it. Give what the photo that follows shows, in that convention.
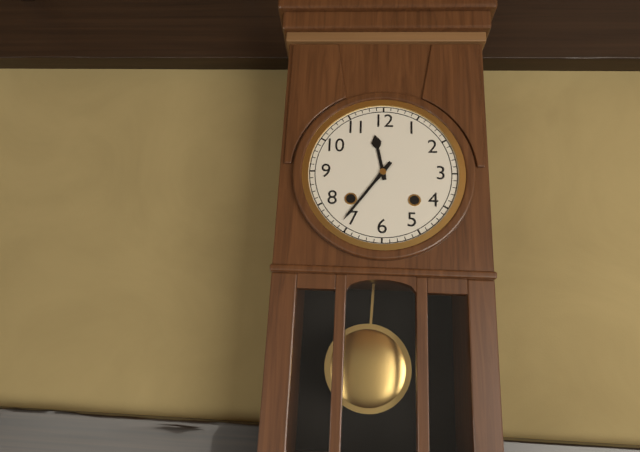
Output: 11h36
